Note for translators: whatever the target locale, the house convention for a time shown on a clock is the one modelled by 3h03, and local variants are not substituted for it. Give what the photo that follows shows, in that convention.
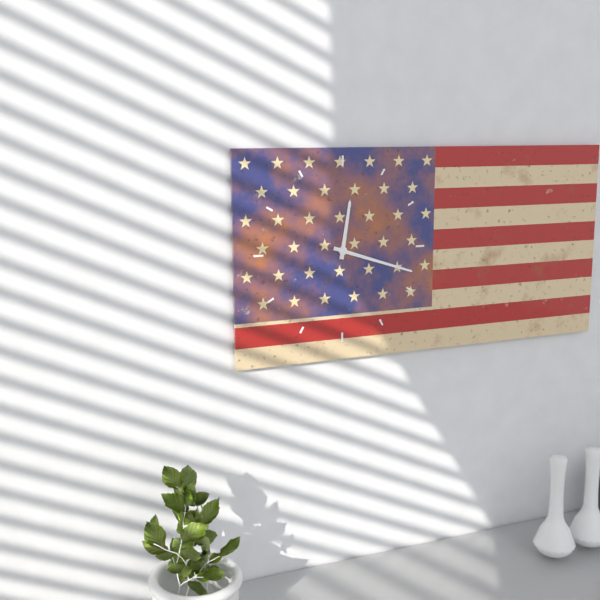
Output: 12h18
